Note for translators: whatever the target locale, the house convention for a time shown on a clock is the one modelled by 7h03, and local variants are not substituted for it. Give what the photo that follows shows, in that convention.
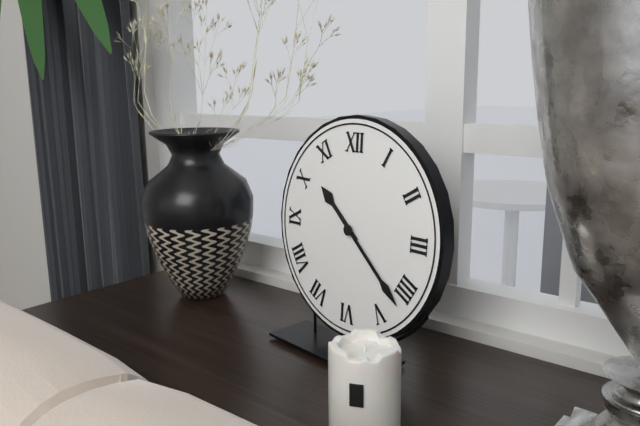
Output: 10h22
